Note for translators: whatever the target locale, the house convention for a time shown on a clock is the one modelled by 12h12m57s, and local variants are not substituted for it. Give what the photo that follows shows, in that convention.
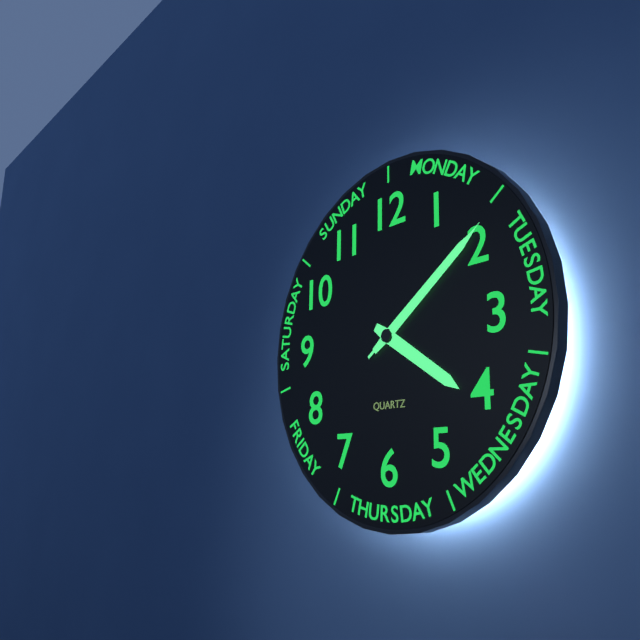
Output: 4h09m09s
